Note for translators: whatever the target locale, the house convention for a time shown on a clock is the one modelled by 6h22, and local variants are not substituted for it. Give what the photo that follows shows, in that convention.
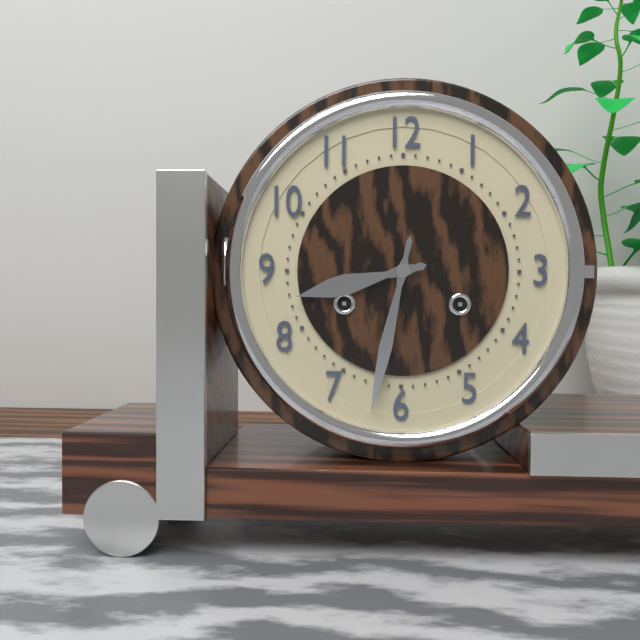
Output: 8h32
